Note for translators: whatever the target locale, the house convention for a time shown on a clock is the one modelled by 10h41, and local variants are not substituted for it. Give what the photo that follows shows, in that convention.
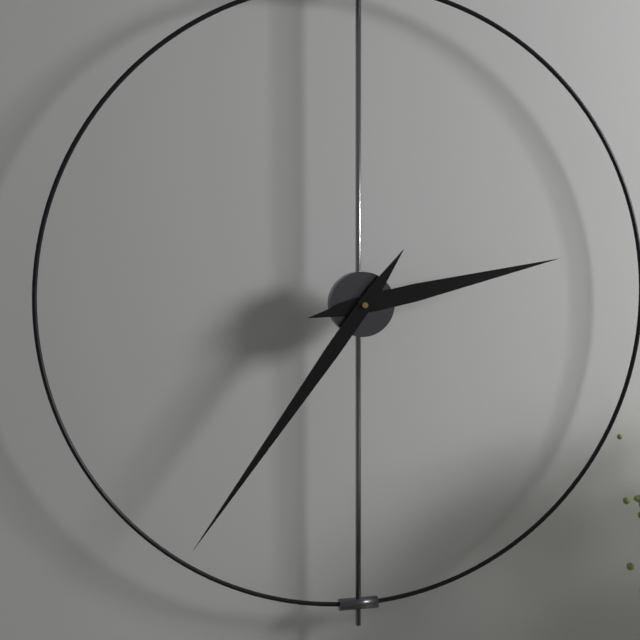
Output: 2h36
